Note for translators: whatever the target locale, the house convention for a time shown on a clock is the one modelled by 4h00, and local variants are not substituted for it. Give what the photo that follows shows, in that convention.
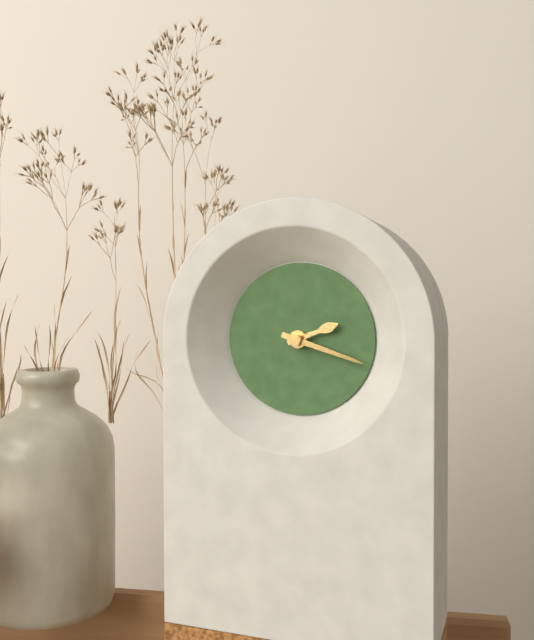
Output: 2h18
